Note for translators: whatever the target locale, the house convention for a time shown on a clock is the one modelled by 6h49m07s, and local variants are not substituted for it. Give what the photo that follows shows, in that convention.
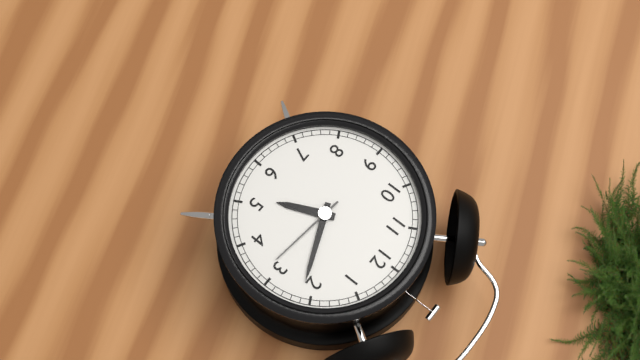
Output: 5h11m16s
